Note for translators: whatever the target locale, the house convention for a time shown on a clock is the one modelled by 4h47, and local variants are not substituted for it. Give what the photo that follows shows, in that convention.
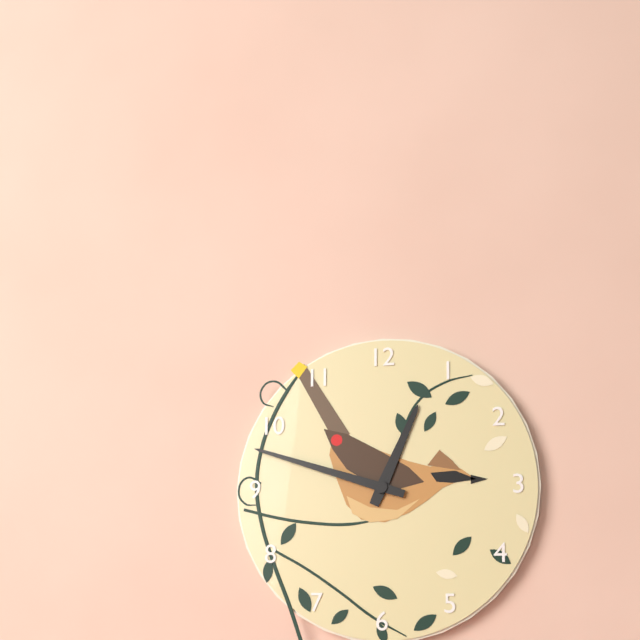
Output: 12h48
